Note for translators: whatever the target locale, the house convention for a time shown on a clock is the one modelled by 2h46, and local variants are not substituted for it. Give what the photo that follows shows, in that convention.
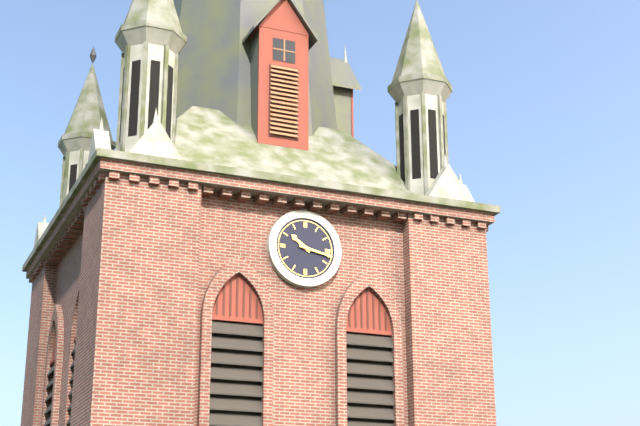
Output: 10h17
